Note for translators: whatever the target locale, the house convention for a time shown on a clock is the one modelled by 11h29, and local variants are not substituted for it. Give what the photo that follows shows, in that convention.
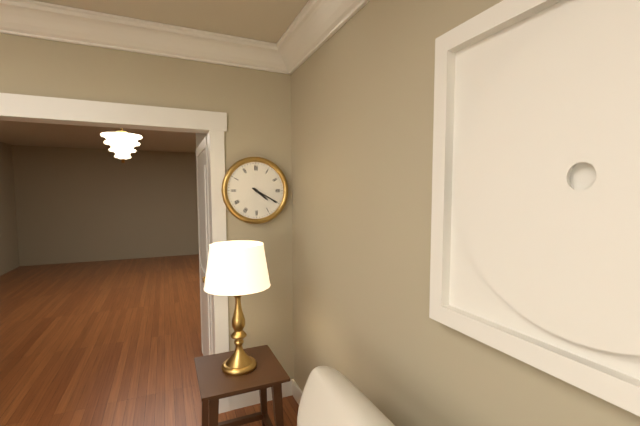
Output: 4h20
